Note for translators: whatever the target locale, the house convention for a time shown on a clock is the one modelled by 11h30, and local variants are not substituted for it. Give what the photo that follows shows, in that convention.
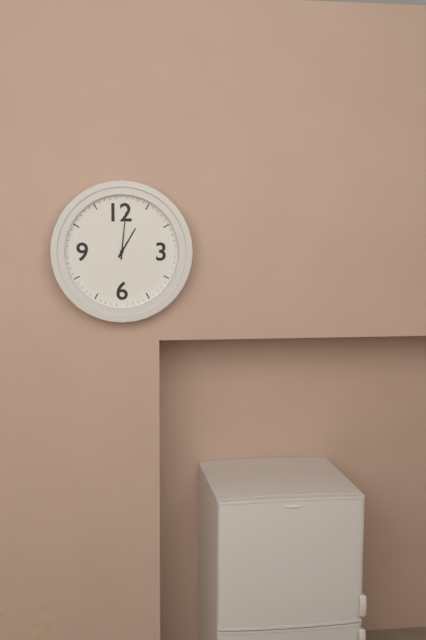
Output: 1h01
